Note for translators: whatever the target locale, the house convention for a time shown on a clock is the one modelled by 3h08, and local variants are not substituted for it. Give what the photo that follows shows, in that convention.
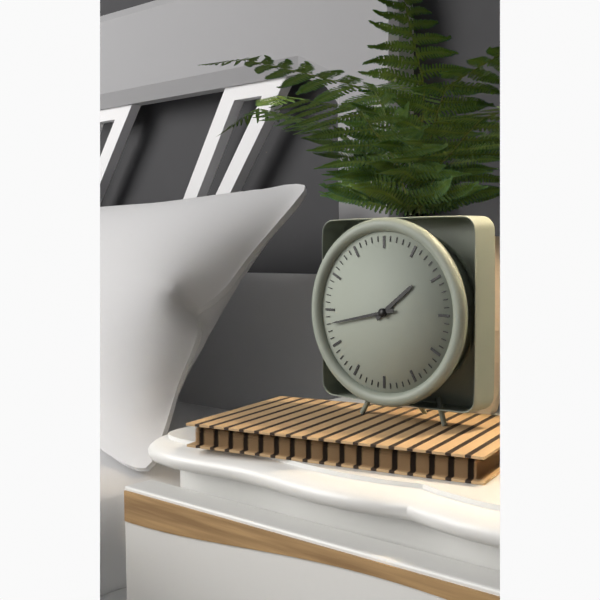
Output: 1h43
